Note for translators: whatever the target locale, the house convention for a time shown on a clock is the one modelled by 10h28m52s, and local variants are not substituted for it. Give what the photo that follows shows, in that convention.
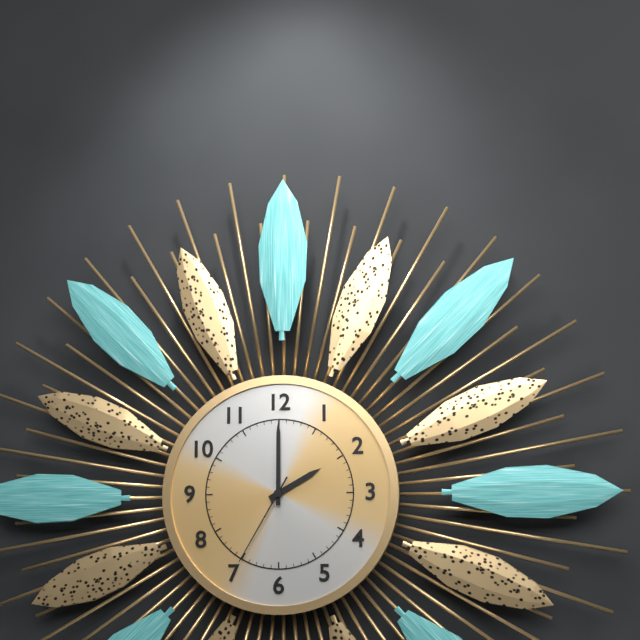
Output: 2h00m35s
